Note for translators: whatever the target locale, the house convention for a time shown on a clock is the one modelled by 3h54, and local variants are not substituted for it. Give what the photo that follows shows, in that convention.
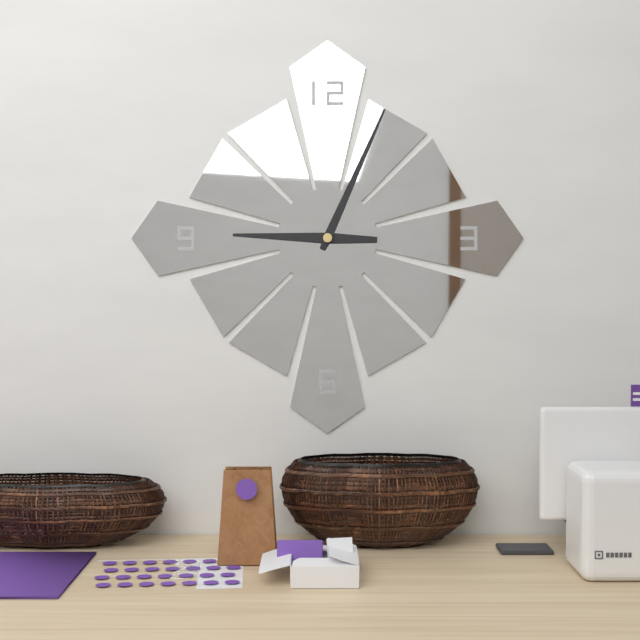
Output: 9h04
